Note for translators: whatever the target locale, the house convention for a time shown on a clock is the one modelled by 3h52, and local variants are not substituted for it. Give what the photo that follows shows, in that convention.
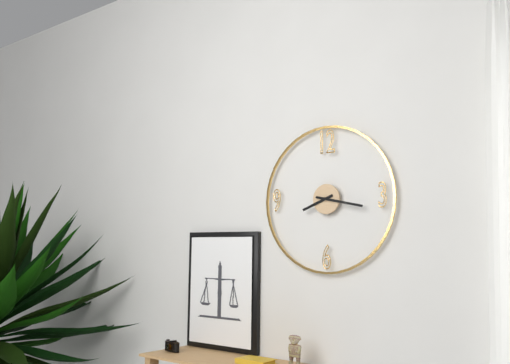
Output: 8h17
